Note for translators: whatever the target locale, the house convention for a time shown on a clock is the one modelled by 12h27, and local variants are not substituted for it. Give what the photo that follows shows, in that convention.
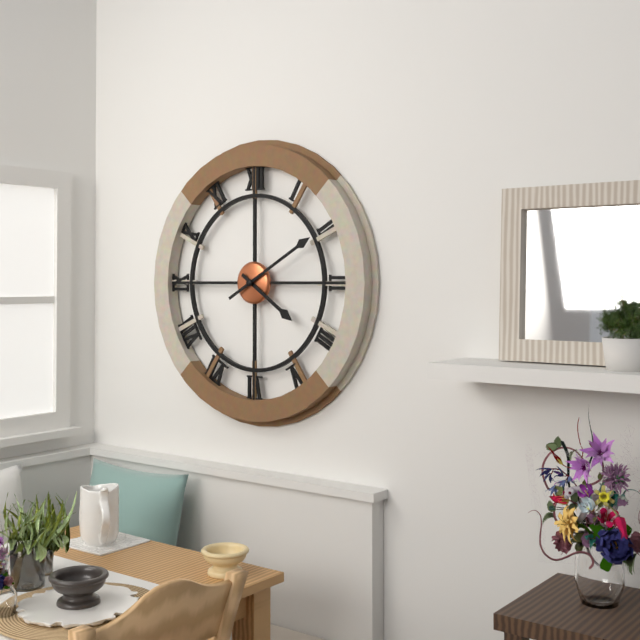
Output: 4h10
